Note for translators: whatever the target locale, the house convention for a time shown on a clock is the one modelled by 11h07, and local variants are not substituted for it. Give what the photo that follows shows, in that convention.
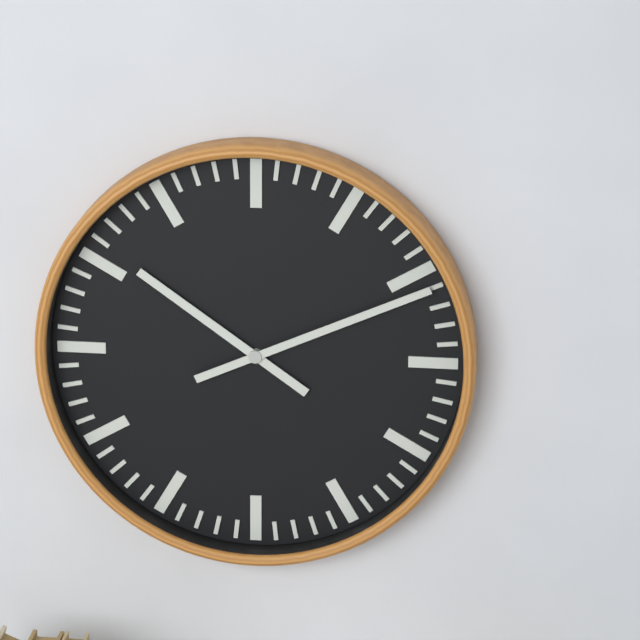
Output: 10h11
